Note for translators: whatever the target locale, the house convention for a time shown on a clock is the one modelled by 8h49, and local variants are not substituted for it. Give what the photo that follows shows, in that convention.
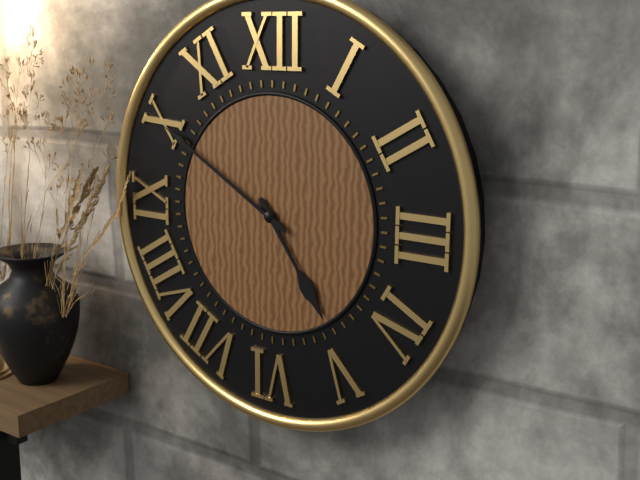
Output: 4h50
